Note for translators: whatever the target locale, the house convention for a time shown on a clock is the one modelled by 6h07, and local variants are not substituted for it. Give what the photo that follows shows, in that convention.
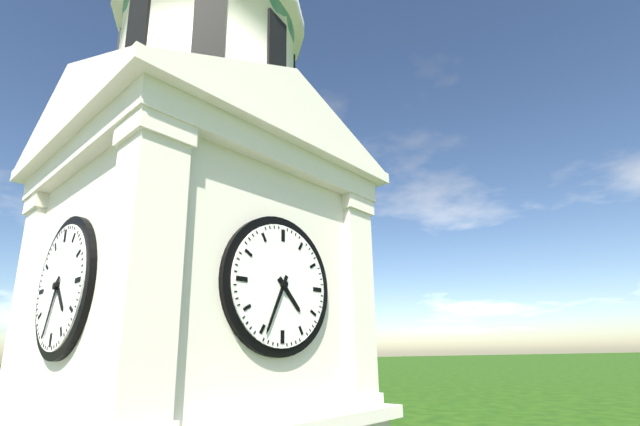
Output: 4h34
